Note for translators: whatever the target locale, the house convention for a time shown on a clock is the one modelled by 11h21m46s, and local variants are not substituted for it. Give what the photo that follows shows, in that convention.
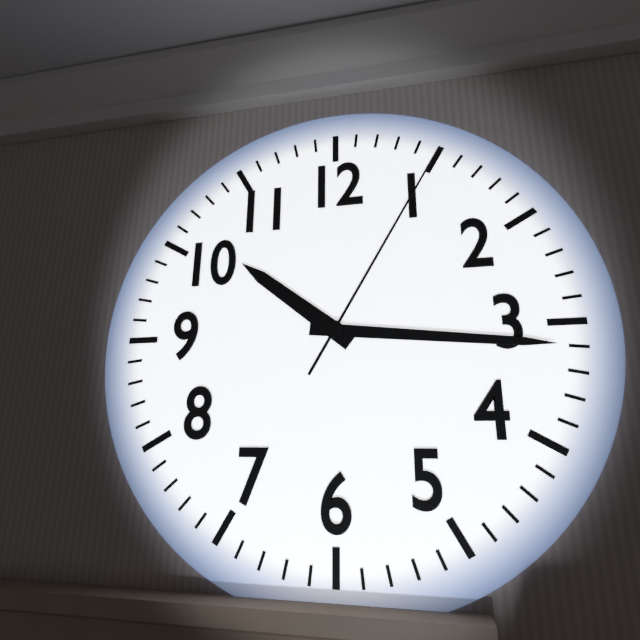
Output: 10h16m05s
